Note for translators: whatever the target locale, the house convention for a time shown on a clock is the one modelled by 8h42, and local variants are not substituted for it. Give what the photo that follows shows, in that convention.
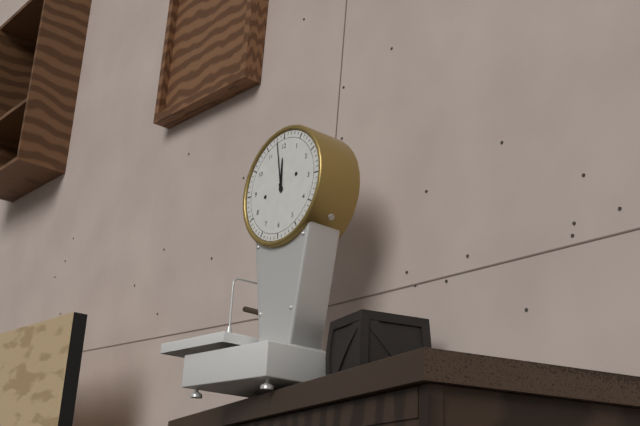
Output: 11h58
